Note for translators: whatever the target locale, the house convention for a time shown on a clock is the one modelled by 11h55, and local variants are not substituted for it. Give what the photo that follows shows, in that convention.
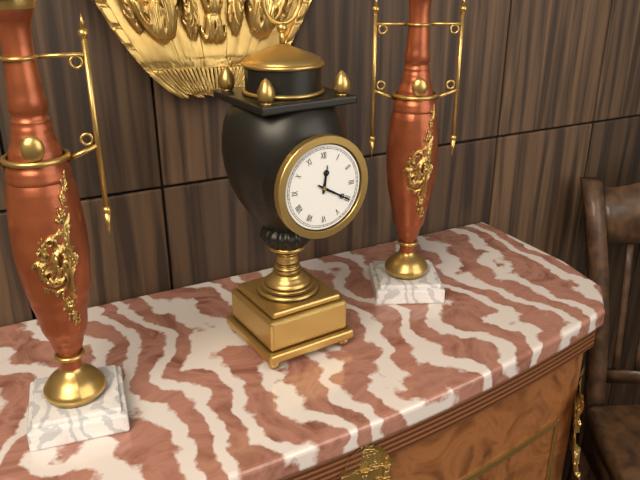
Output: 12h20
